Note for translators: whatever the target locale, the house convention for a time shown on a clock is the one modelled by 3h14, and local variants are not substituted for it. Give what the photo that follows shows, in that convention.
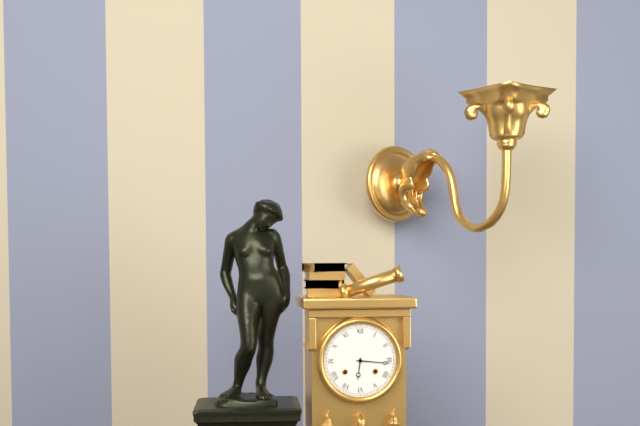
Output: 6h16
